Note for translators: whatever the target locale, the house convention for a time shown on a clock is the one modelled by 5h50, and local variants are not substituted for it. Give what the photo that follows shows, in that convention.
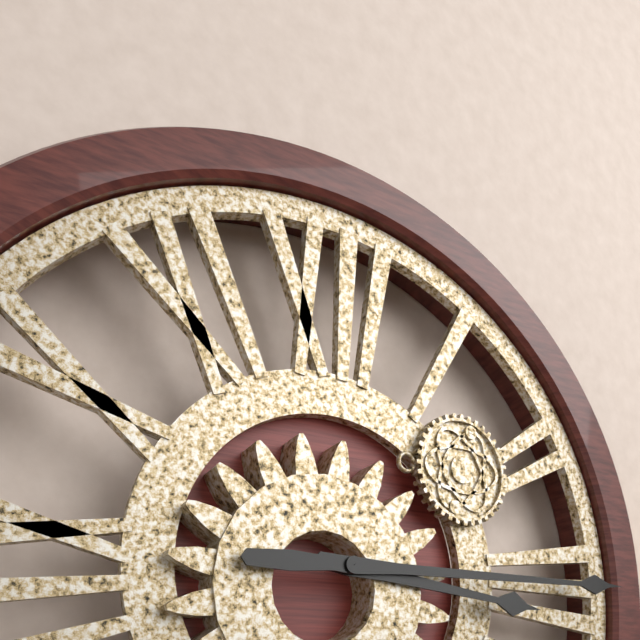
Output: 3h15
